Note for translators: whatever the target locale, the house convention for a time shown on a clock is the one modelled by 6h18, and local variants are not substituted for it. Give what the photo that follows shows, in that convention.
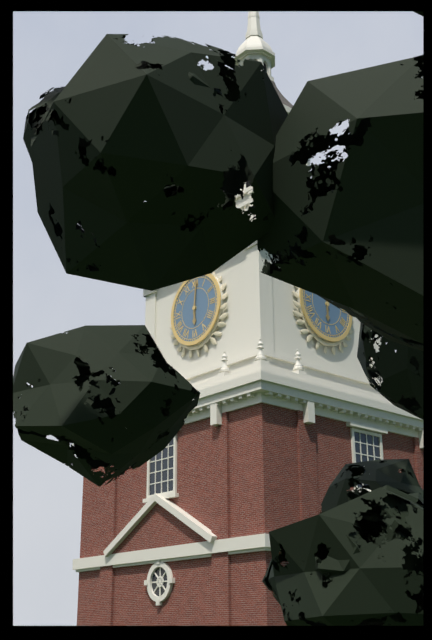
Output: 6h01
